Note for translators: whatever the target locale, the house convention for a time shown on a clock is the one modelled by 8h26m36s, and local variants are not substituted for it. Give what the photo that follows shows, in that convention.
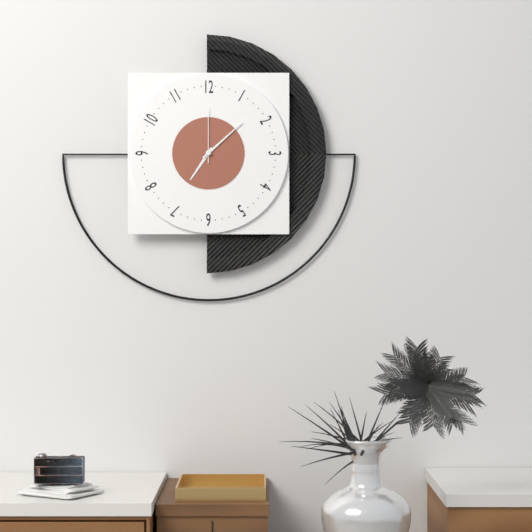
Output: 7h08m00s
